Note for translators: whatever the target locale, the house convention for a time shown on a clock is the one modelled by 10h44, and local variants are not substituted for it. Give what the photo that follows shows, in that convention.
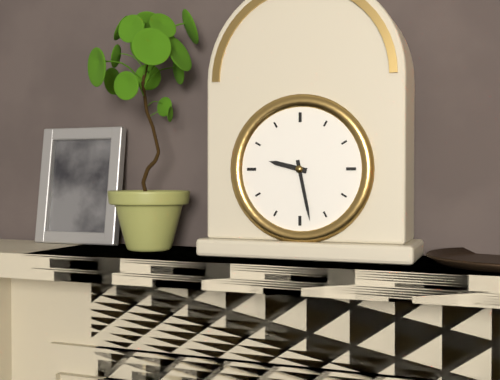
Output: 9h28
